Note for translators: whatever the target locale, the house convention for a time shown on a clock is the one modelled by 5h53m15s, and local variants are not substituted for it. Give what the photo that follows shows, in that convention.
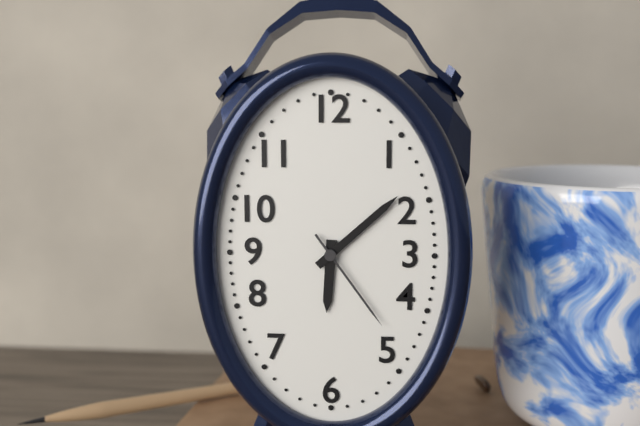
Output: 6h08m24s
